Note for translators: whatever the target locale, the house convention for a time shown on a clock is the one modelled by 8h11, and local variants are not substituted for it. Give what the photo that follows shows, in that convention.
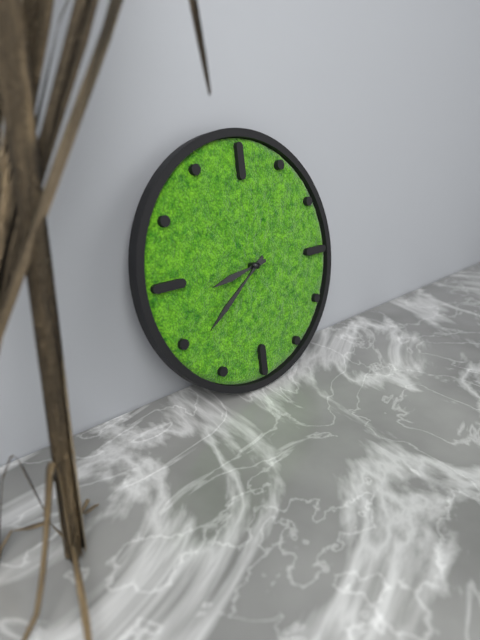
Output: 8h39
